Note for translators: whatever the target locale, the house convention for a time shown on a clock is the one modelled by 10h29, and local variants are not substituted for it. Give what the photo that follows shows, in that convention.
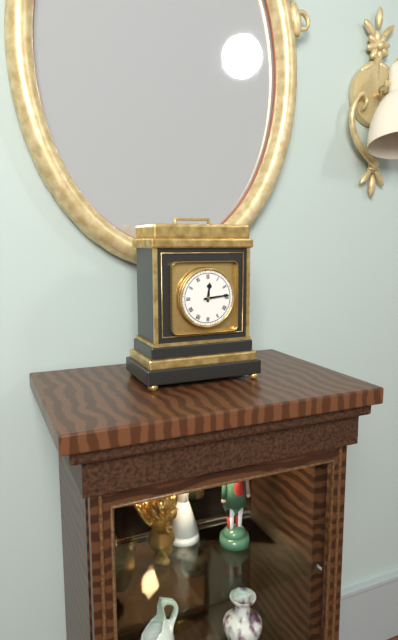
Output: 12h14
